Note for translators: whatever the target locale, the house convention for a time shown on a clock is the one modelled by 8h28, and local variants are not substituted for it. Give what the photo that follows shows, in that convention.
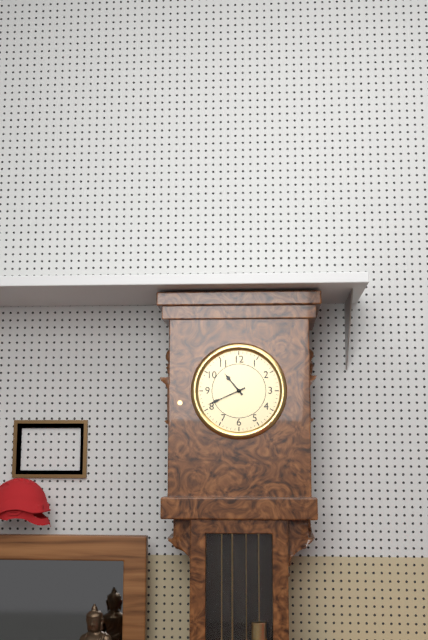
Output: 10h41
